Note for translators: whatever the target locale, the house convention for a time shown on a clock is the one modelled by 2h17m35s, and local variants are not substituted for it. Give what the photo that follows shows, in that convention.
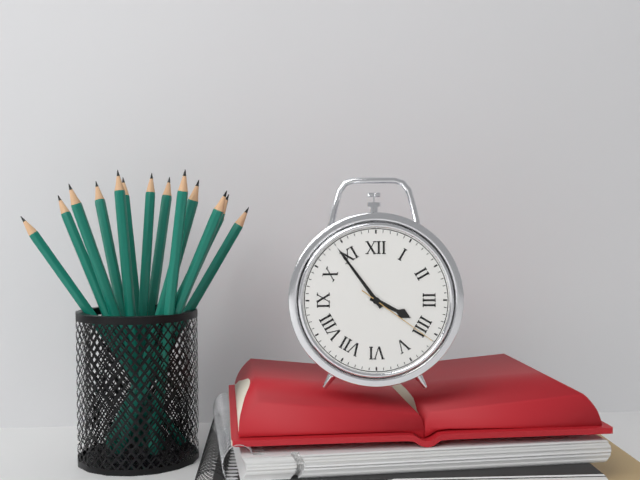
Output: 3h54m21s
